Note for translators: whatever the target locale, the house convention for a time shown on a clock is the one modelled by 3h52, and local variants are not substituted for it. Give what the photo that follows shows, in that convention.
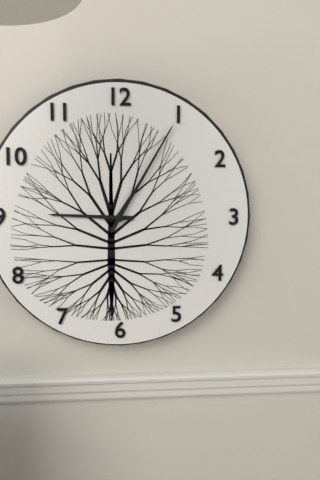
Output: 9h05
